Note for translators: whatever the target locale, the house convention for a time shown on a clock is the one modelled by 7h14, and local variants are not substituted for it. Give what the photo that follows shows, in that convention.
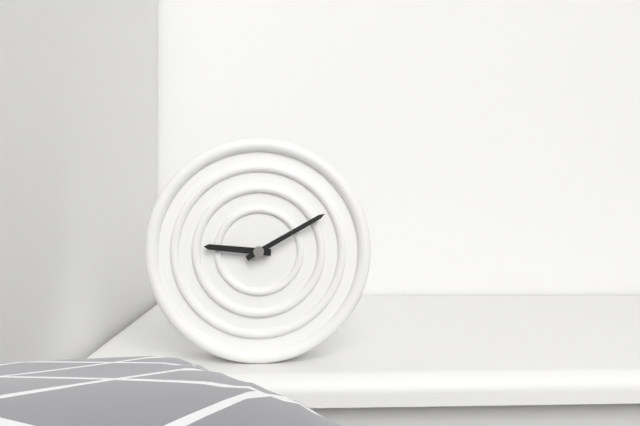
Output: 9h10
